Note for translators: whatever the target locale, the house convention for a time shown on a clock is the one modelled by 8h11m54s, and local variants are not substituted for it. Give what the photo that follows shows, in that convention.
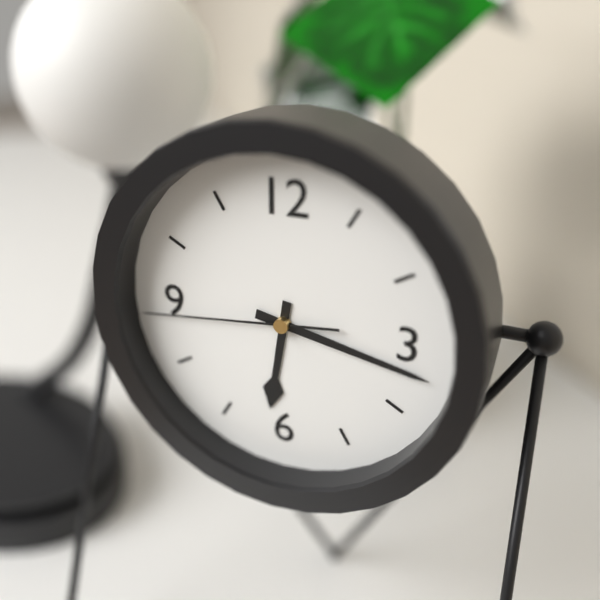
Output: 6h17m44s
